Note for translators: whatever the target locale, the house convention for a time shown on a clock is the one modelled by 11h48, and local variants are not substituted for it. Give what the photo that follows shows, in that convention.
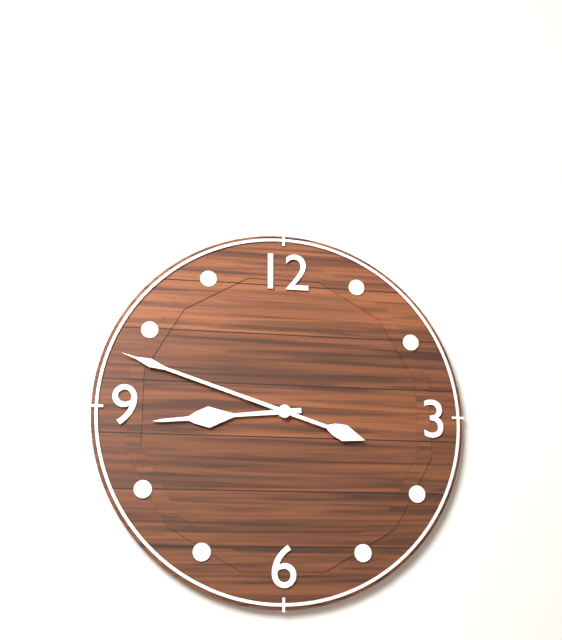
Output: 8h48
